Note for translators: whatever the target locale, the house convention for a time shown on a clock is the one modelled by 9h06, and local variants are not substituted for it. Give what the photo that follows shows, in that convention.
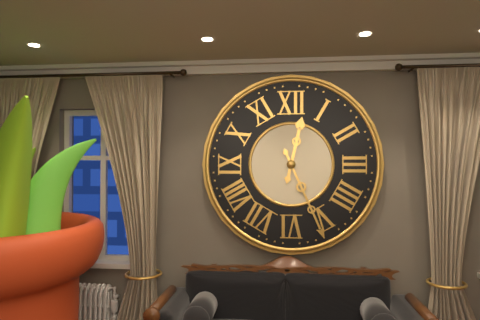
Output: 12h26
